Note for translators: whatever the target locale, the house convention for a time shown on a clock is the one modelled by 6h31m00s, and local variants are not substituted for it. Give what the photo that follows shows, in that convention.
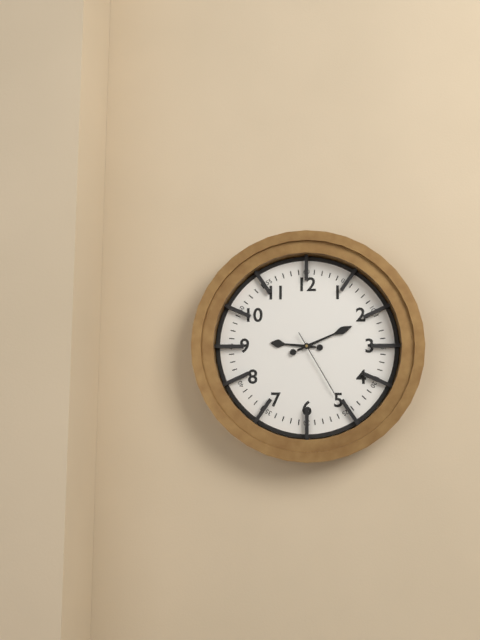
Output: 9h11m25s
